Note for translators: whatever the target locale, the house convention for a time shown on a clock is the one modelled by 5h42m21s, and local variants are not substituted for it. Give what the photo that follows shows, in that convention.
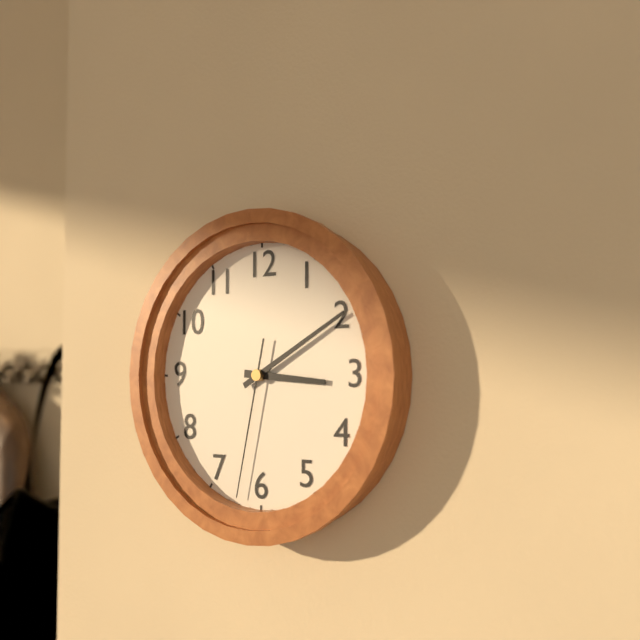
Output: 3h10m32s
